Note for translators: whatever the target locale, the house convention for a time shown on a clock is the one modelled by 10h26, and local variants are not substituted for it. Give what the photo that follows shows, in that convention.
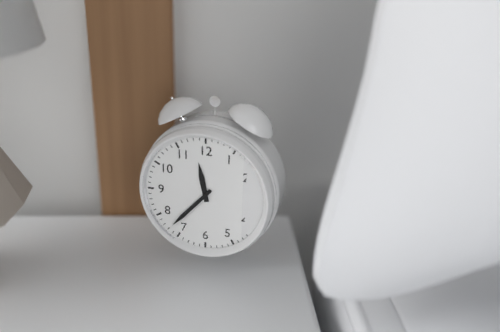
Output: 11h37
